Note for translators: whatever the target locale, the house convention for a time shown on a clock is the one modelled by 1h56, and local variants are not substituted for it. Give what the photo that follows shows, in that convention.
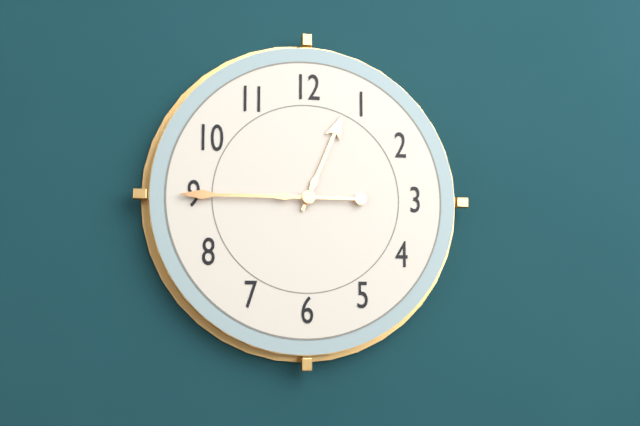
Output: 12h45
